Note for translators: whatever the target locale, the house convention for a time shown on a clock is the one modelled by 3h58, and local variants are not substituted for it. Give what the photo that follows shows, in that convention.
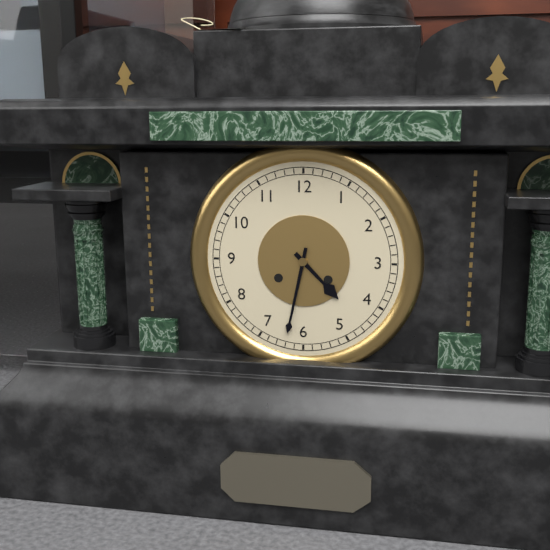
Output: 4h32
